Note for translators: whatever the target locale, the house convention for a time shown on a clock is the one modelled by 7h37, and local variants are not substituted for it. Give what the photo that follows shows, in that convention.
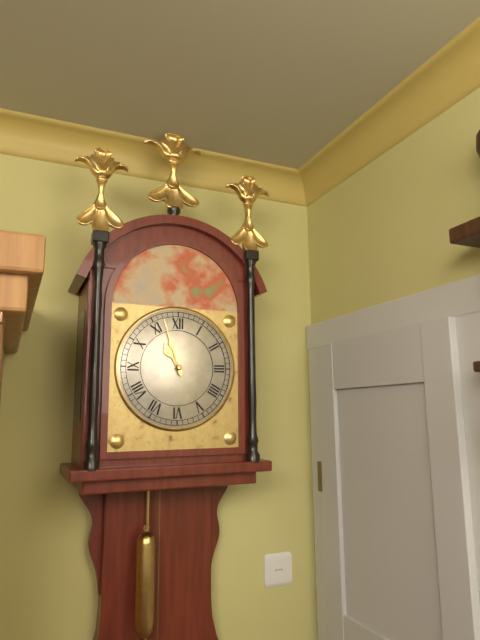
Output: 10h57
